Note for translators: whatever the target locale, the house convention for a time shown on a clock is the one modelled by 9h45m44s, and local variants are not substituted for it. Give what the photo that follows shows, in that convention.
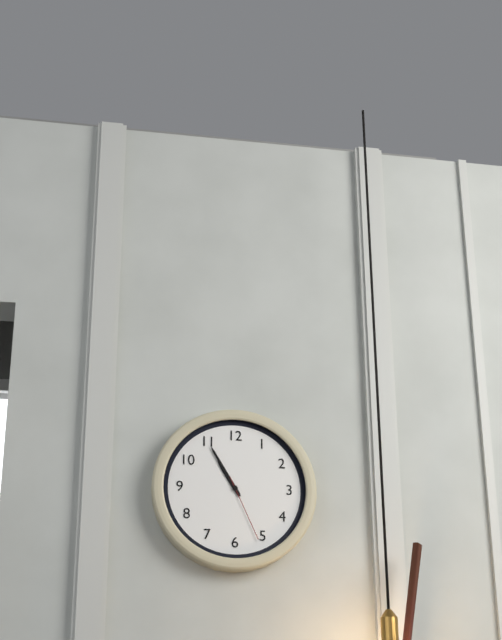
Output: 10h55m26s
